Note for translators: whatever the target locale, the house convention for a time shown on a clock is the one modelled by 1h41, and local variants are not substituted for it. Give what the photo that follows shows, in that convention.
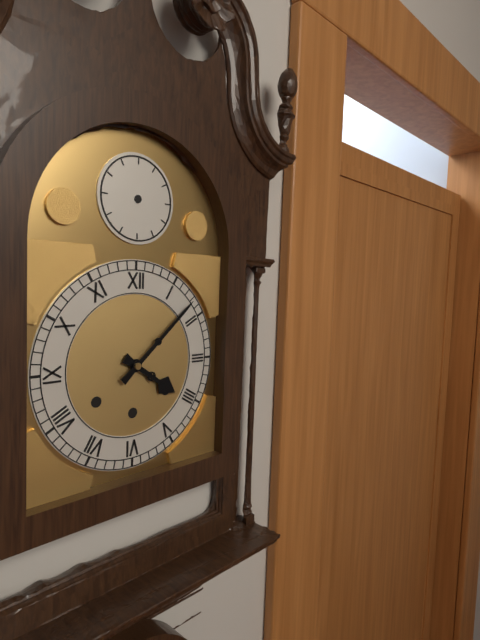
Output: 4h08
